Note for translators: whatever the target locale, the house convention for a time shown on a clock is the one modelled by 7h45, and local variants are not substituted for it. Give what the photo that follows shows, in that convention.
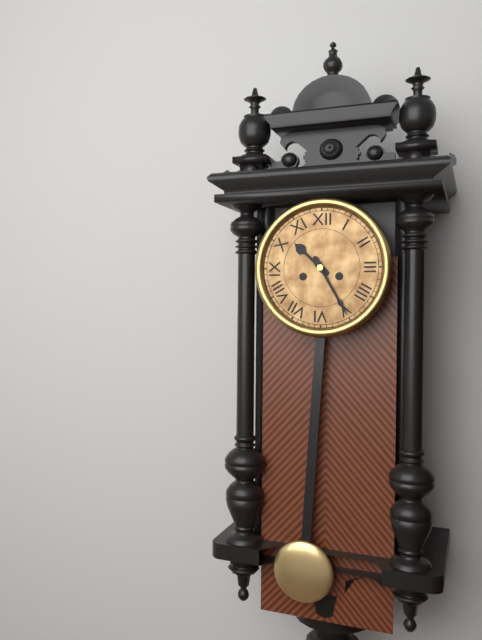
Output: 10h25
